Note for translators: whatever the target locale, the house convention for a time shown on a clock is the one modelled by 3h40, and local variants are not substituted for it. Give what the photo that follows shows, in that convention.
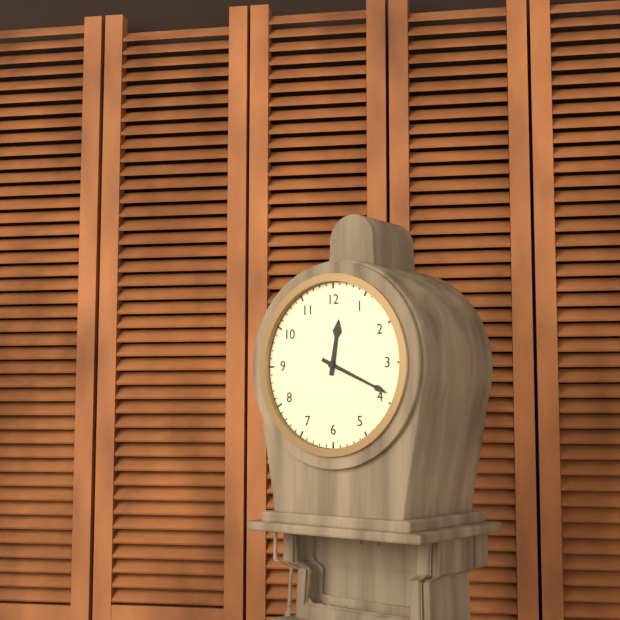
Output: 12h19
